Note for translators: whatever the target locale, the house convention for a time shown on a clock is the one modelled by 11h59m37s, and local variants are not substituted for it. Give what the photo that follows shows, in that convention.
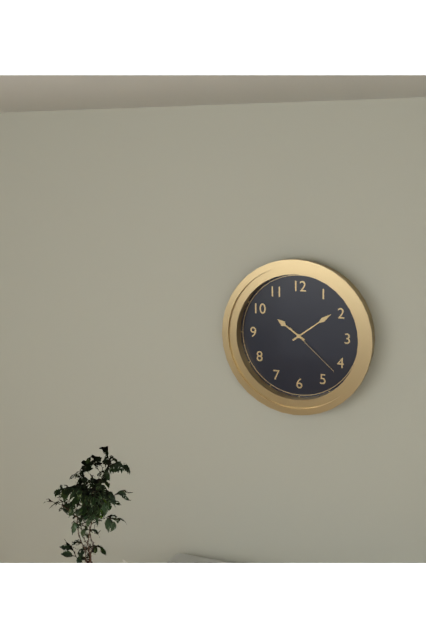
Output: 10h09m22s
